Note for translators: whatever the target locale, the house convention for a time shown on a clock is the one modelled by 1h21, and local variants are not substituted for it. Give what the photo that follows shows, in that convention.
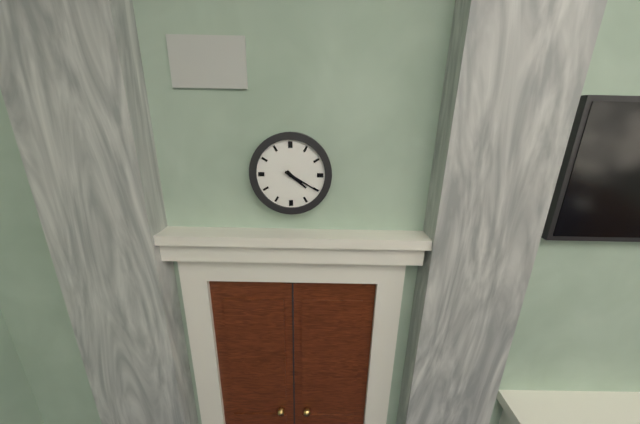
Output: 4h20
